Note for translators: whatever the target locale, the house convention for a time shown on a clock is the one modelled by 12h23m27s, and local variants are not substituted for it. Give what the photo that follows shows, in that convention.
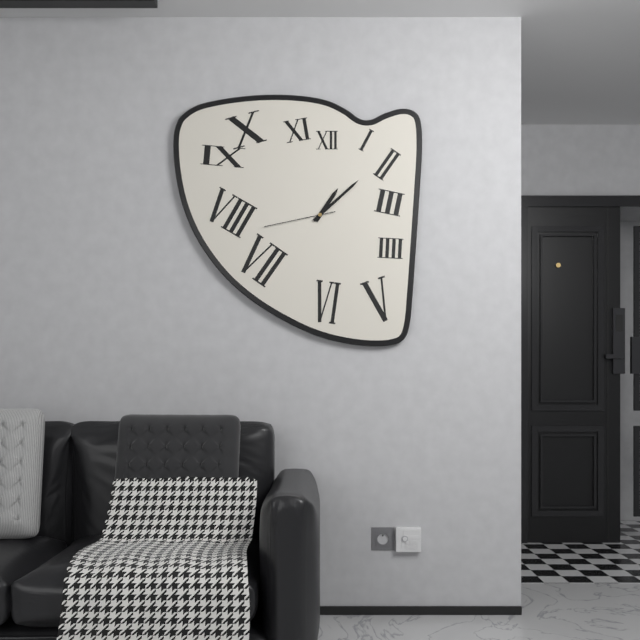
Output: 1h08m43s
